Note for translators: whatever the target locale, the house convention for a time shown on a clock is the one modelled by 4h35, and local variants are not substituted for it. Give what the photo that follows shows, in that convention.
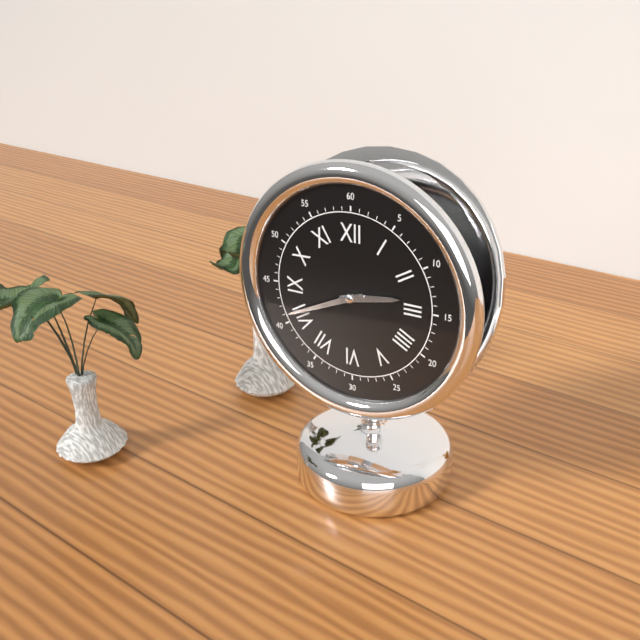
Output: 2h41
